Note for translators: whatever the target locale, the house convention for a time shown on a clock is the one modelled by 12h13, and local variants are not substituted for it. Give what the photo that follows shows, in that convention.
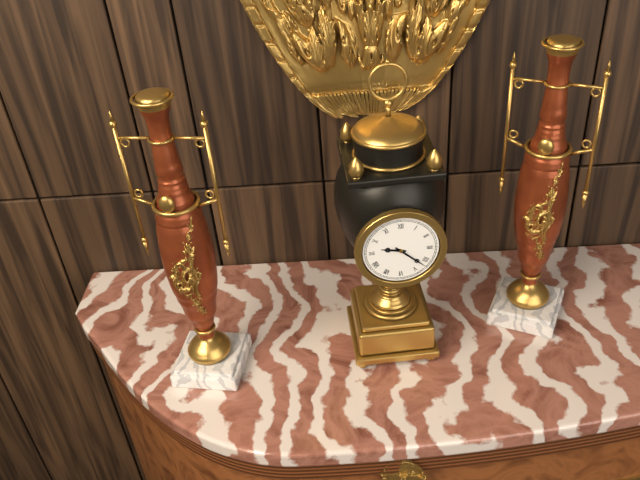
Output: 9h22
